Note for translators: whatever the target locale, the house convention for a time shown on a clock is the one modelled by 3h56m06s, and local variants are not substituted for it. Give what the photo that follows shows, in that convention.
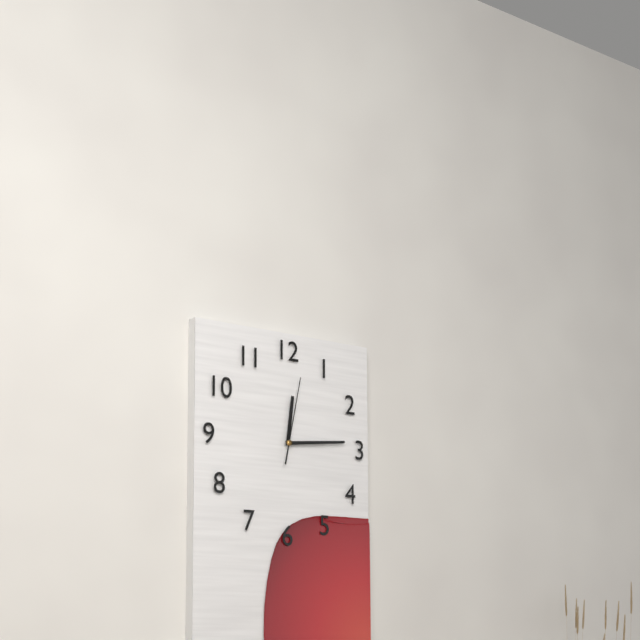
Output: 12h14m02s
